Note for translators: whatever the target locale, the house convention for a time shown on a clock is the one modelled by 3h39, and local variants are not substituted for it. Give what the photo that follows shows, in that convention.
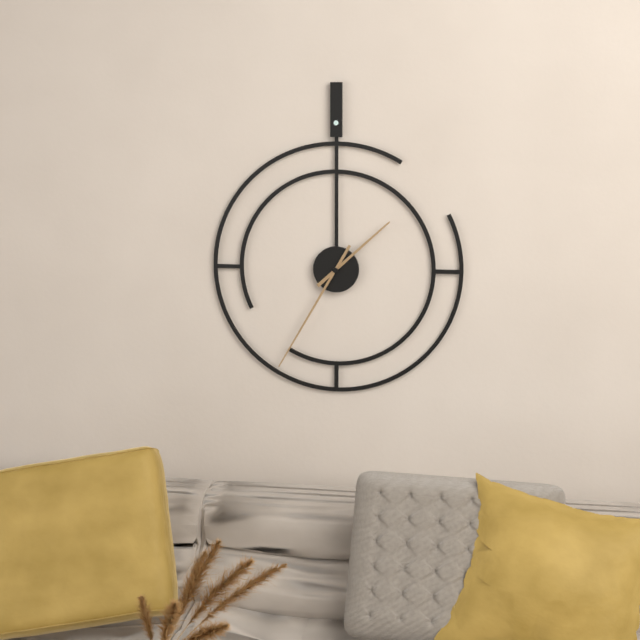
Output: 1h35
